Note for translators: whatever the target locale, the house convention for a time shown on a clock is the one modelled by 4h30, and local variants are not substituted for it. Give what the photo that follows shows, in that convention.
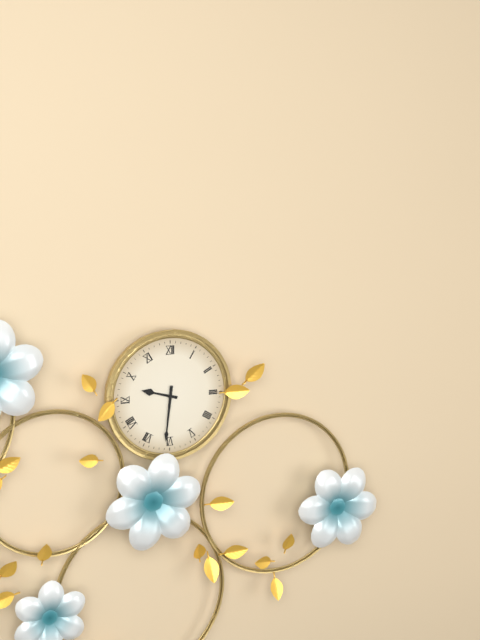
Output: 9h31
